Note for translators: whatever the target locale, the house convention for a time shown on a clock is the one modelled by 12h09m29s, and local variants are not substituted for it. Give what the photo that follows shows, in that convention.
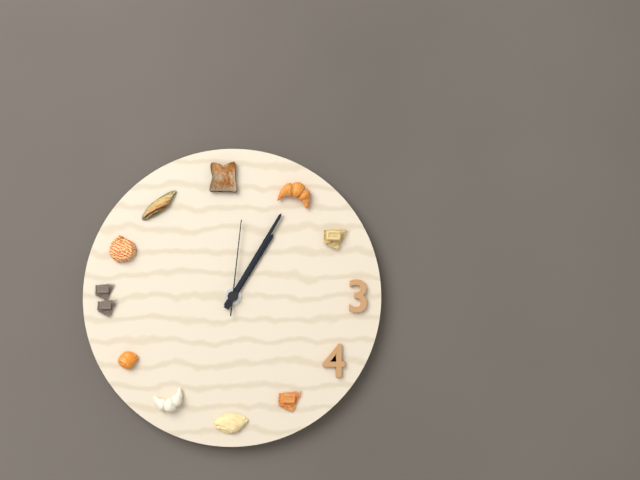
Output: 1h05m01s
